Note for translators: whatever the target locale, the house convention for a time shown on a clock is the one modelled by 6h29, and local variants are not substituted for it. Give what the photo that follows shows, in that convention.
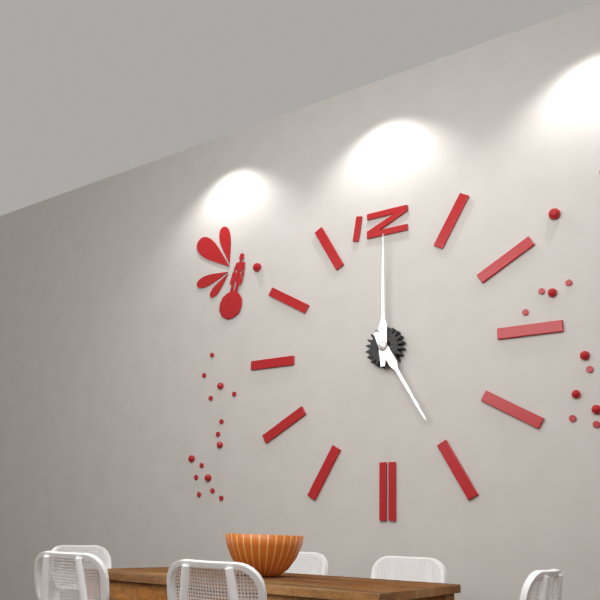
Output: 5h00
